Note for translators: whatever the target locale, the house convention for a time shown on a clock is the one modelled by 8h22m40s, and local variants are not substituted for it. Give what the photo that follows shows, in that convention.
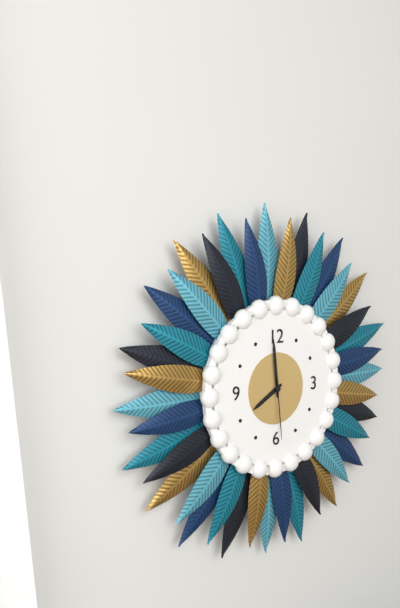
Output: 7h59m29s
